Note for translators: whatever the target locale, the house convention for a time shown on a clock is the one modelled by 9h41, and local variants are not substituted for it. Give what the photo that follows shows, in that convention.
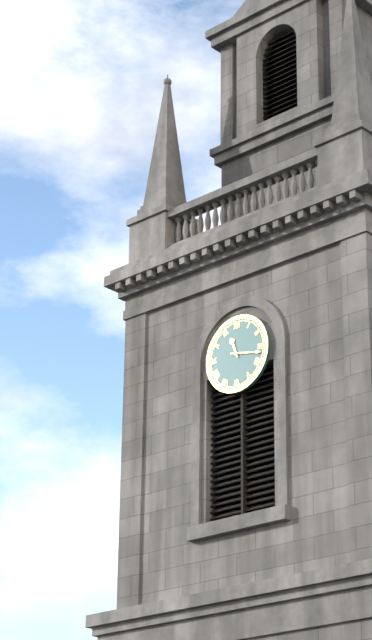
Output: 11h17
